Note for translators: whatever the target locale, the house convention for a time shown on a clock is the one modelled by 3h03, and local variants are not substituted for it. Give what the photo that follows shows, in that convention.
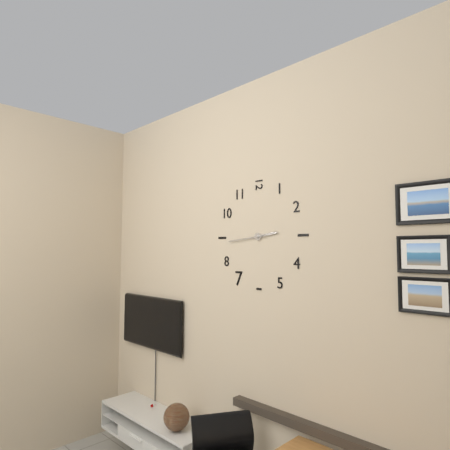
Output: 2h44
